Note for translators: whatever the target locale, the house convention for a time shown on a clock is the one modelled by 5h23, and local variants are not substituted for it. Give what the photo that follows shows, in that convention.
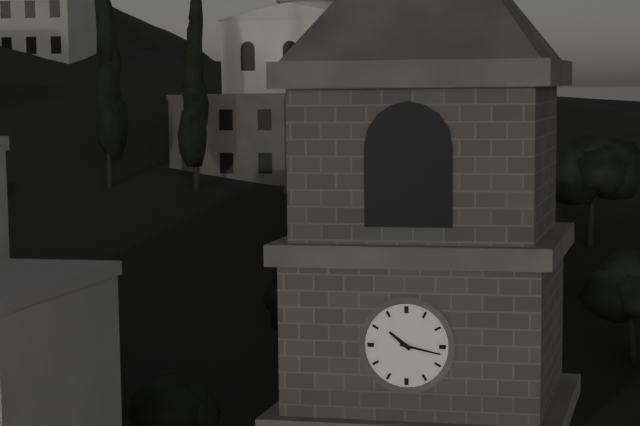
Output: 10h17
